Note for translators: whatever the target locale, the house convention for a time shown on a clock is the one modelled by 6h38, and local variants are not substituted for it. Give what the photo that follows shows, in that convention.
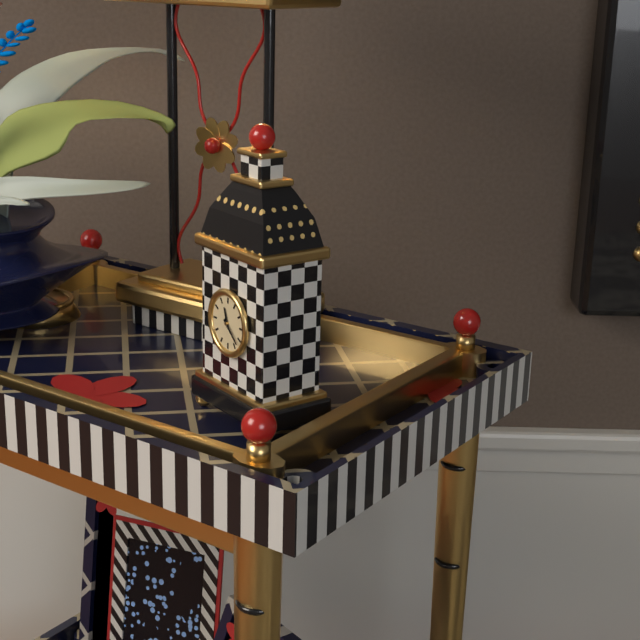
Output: 11h22
